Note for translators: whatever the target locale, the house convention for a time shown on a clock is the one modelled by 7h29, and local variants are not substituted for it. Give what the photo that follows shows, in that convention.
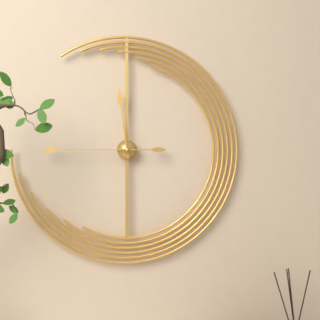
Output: 11h45
